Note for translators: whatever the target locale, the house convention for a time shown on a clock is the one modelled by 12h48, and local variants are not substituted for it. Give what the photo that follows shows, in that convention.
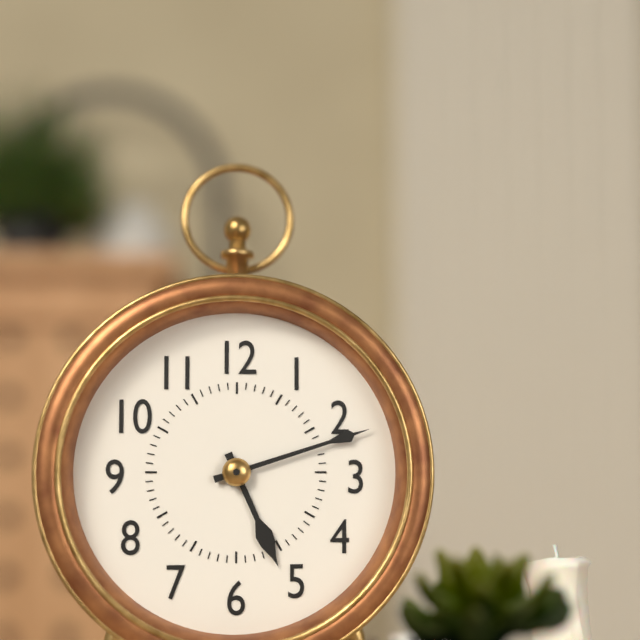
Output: 5h12
